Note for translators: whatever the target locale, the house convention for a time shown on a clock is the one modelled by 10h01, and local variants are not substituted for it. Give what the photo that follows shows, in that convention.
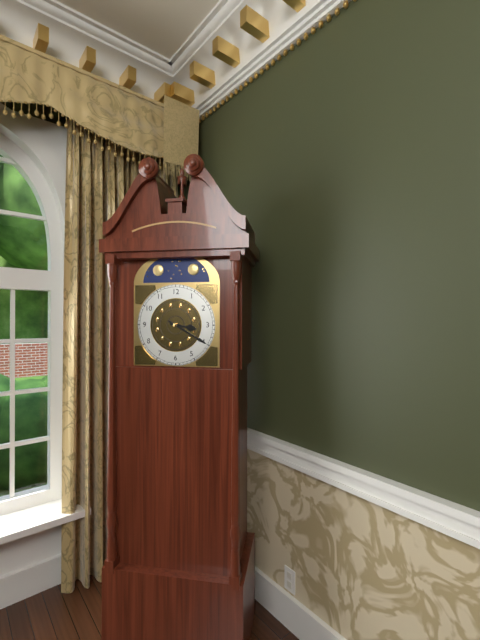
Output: 3h20
